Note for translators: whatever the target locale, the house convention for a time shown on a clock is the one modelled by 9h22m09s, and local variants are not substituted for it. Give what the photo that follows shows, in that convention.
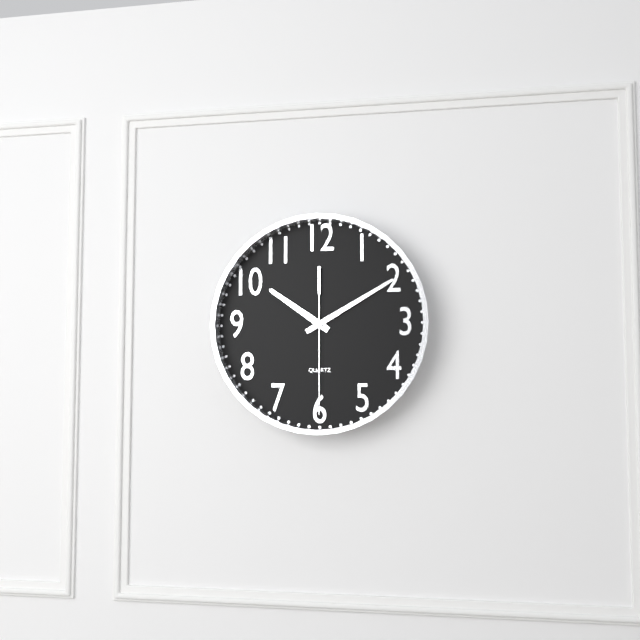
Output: 10h10m30s
